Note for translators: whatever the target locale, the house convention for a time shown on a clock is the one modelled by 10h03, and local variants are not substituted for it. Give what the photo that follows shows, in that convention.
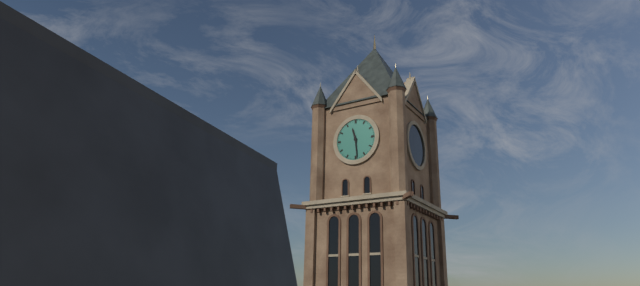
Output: 11h29
